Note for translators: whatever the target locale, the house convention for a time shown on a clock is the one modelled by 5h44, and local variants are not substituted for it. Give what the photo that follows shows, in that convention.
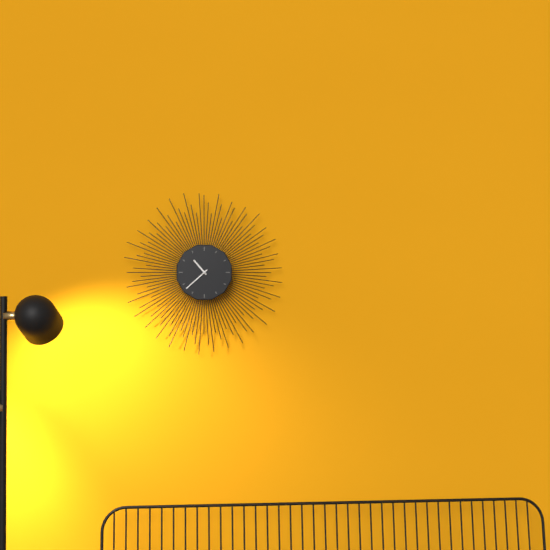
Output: 10h38
